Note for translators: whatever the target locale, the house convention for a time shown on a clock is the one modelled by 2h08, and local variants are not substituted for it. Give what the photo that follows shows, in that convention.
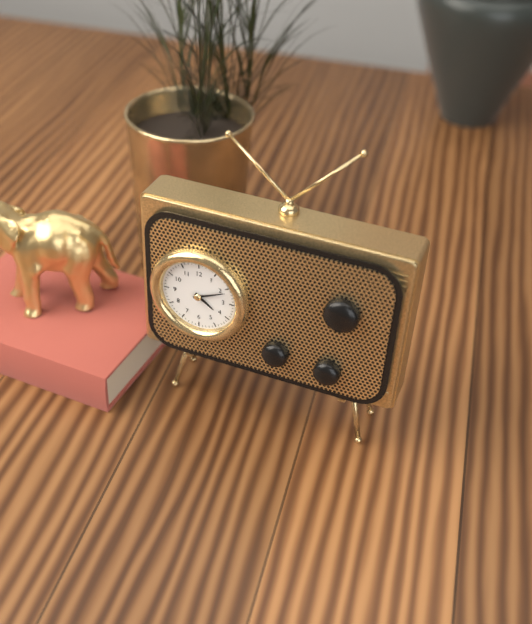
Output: 4h11
